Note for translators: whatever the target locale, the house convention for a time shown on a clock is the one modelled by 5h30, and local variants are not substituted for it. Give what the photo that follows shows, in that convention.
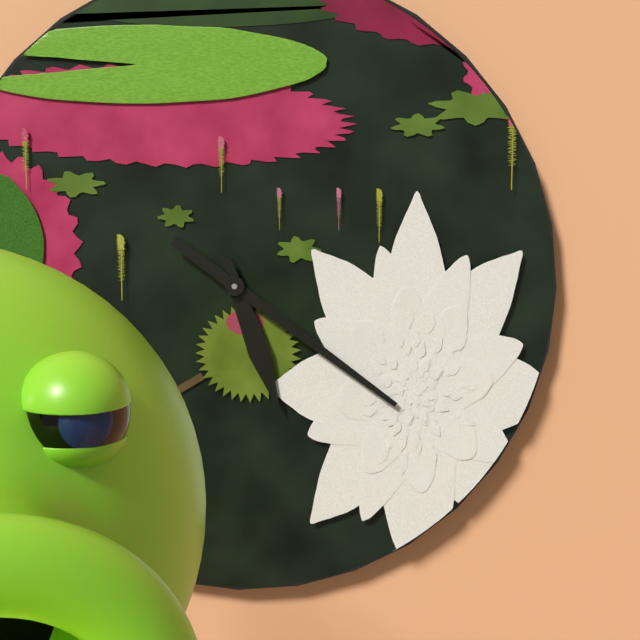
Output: 5h21
